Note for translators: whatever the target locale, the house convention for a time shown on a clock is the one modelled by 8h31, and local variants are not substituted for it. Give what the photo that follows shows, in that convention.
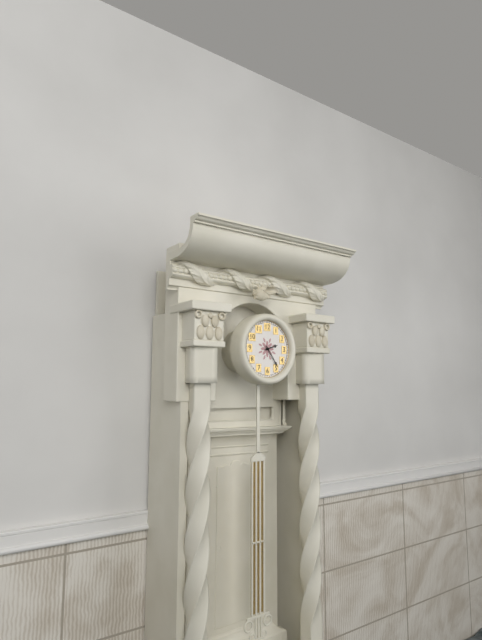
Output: 2h24
